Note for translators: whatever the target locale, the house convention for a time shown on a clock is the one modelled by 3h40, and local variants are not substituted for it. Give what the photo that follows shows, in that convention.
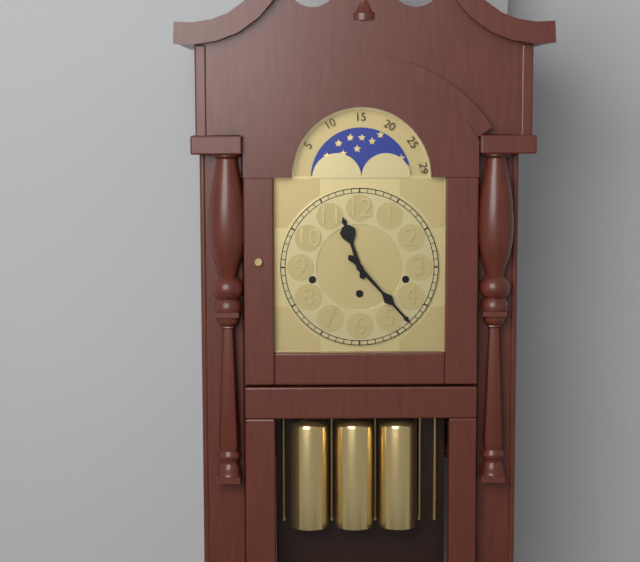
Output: 11h23
